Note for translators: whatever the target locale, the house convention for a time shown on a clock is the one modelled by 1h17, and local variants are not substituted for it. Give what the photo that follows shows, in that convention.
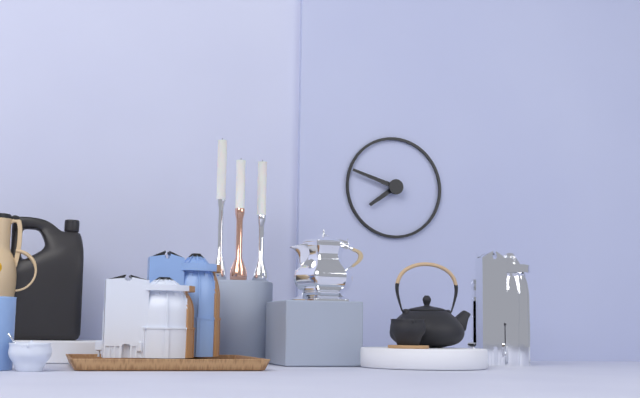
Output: 7h48
